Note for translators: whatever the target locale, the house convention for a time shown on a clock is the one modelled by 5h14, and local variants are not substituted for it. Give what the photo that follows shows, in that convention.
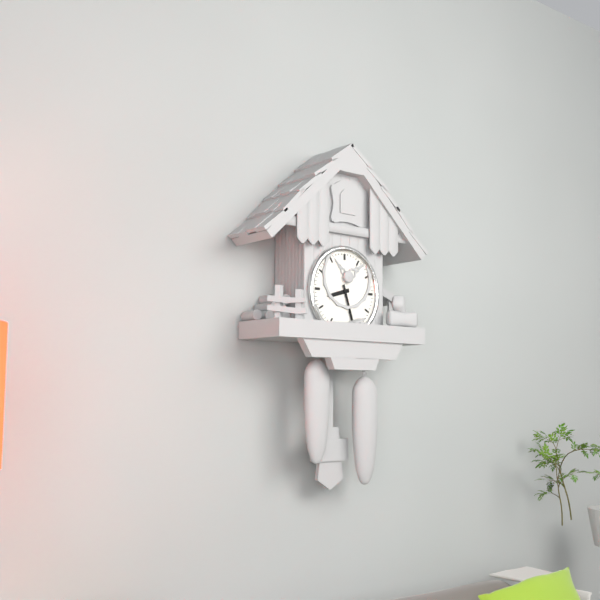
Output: 8h27
